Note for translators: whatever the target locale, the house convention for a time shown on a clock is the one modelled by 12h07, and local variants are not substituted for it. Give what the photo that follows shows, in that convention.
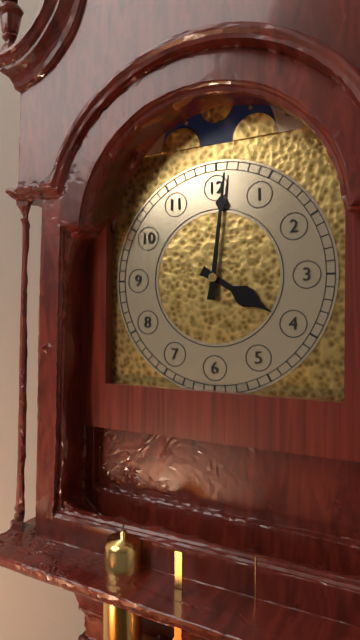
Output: 4h01
